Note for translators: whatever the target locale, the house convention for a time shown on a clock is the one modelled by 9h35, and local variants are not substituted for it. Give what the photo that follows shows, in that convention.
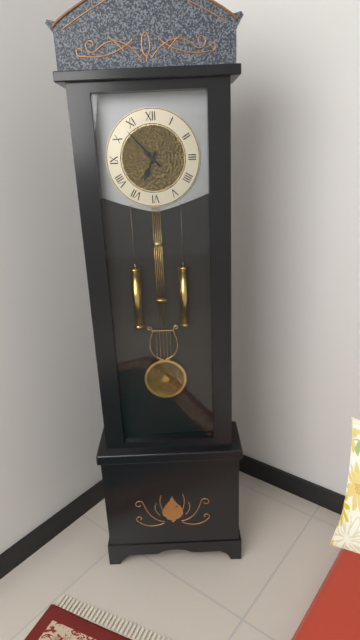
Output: 6h53
